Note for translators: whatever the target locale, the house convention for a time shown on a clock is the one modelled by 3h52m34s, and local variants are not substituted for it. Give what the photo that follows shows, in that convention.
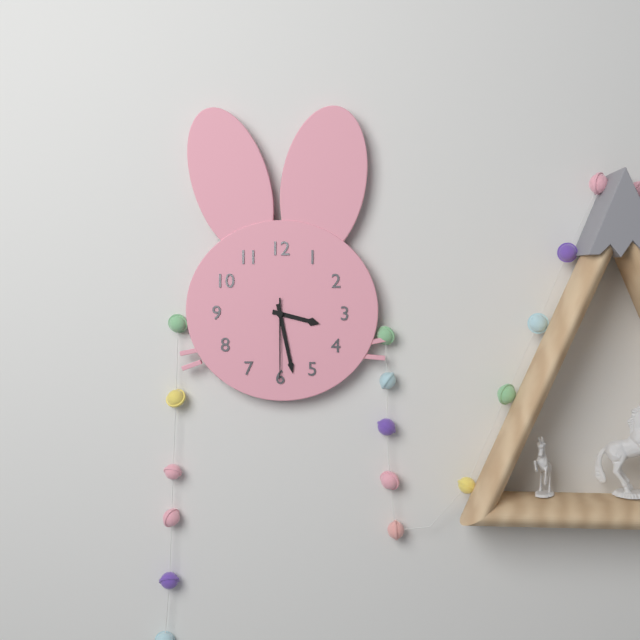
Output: 3h28m30s
